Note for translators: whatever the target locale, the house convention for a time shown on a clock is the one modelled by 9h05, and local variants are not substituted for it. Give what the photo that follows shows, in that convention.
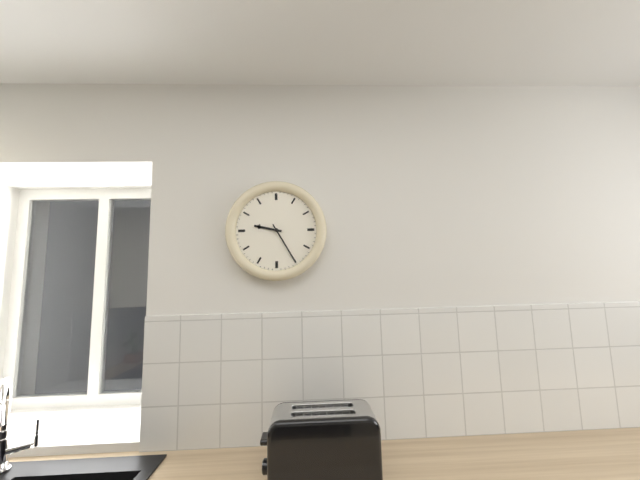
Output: 9h25
